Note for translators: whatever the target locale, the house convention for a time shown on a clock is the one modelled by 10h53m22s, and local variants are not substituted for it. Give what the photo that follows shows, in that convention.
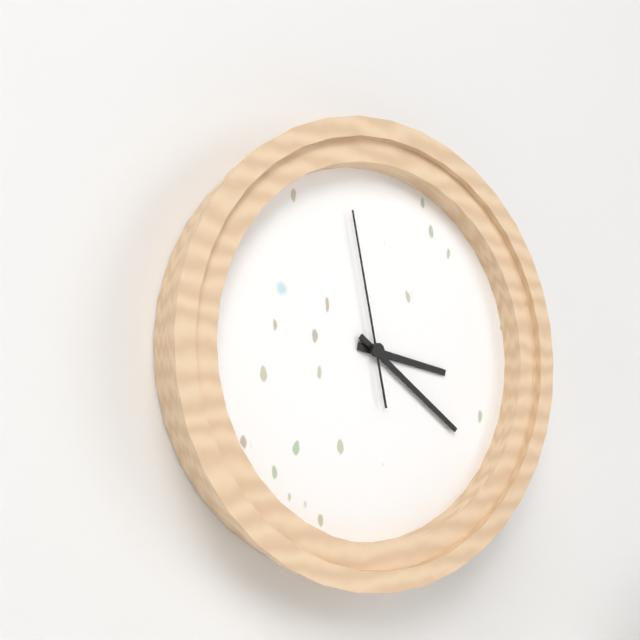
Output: 3h21m58s
